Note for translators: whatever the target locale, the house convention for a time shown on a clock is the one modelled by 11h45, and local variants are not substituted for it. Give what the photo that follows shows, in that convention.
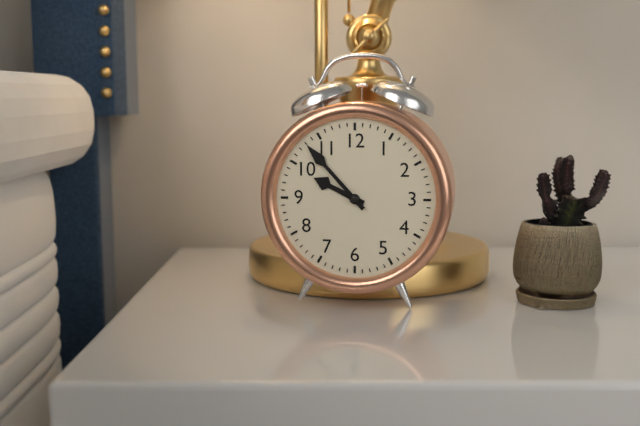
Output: 9h53
